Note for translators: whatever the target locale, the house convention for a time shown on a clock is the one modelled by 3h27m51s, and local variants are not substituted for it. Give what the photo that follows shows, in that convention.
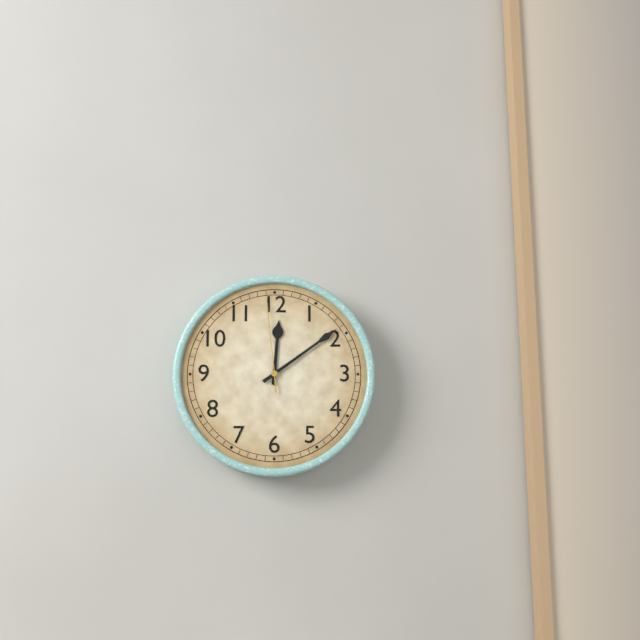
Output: 12h09m59s
